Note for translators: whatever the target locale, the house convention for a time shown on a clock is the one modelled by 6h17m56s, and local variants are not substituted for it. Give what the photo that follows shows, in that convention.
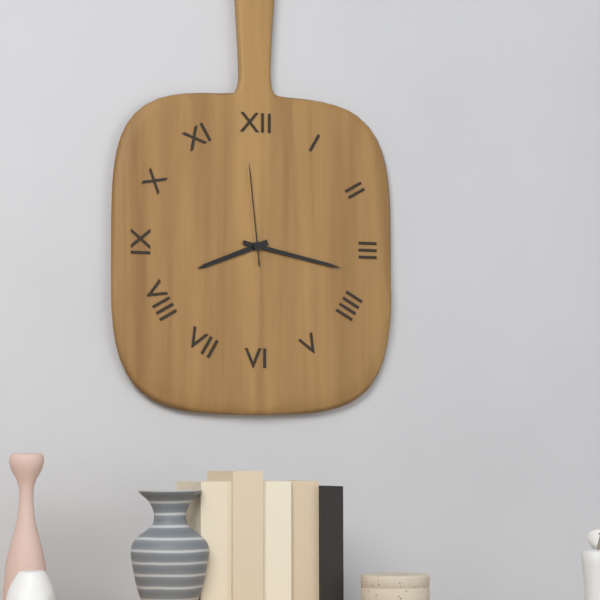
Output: 8h17m59s
